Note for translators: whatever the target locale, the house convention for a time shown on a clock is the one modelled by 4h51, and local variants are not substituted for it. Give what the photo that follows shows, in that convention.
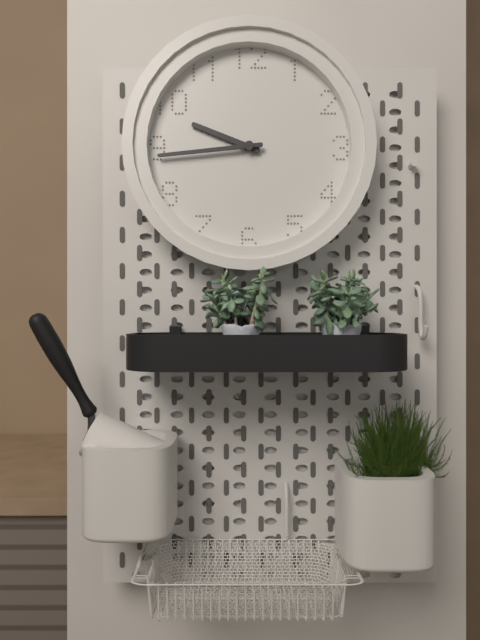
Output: 9h44
